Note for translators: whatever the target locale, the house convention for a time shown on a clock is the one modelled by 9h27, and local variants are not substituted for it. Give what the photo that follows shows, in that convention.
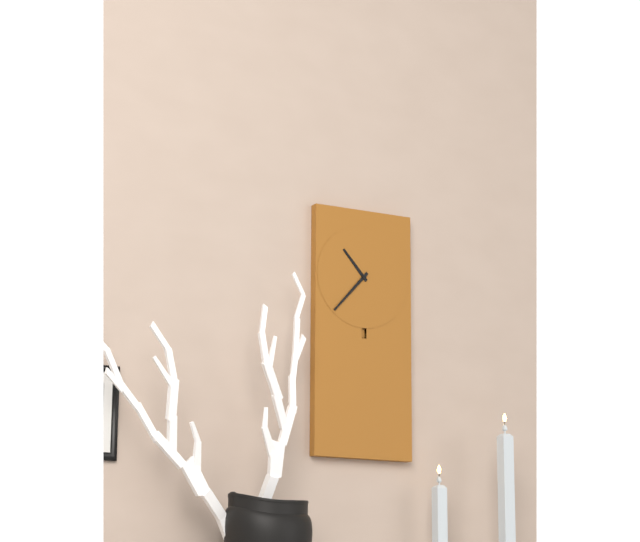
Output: 10h37
